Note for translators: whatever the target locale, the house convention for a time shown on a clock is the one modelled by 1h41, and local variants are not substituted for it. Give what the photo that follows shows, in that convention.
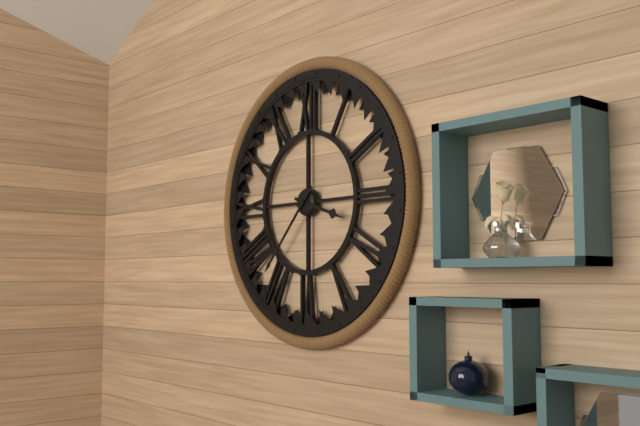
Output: 3h37
